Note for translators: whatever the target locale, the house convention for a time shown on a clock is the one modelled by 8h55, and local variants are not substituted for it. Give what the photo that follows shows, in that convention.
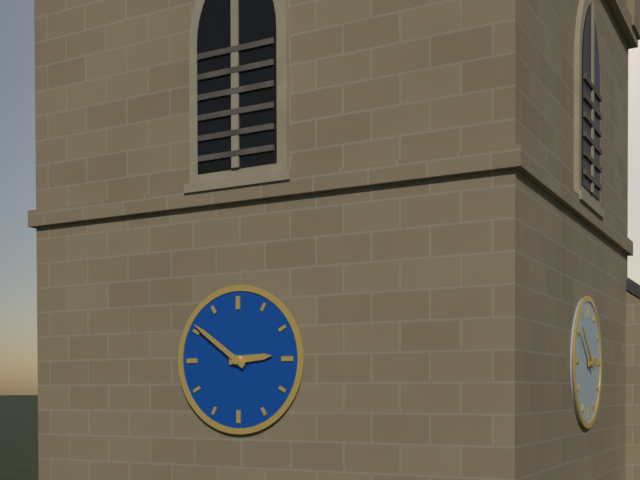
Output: 2h51
